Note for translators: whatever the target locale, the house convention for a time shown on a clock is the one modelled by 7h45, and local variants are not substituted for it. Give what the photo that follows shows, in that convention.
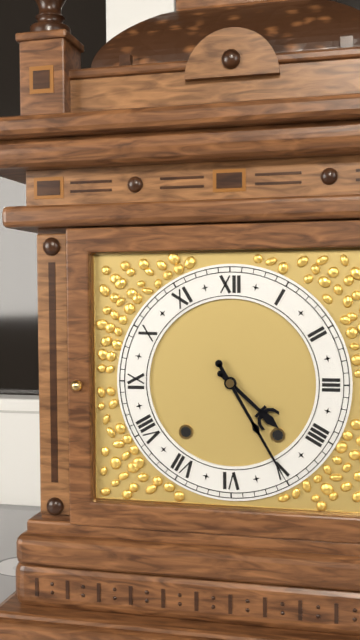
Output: 4h25
